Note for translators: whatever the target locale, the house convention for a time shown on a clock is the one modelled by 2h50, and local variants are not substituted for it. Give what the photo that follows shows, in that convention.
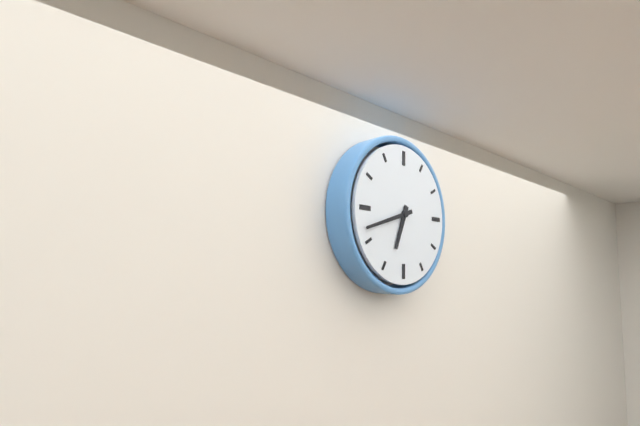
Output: 6h42
